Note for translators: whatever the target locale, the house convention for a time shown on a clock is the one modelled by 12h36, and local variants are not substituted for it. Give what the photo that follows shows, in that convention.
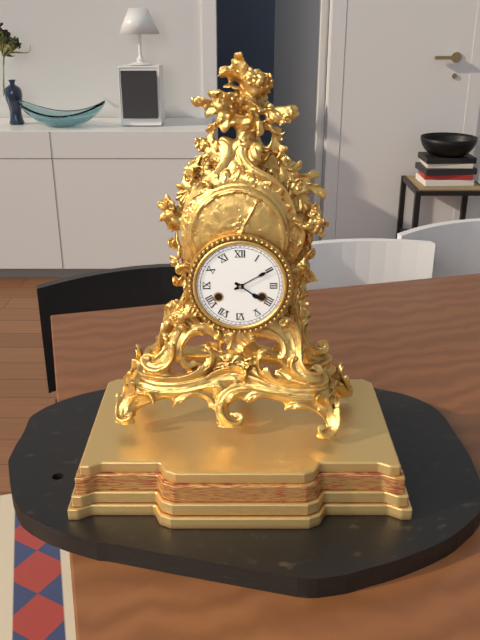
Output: 4h10
